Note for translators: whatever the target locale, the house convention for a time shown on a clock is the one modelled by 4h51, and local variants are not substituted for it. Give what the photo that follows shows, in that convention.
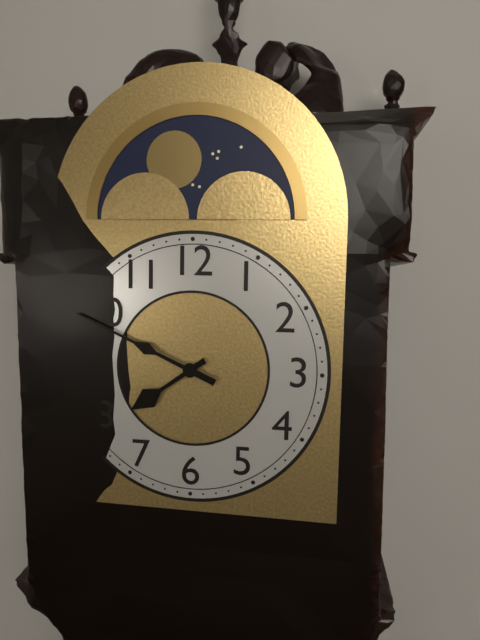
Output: 7h49
